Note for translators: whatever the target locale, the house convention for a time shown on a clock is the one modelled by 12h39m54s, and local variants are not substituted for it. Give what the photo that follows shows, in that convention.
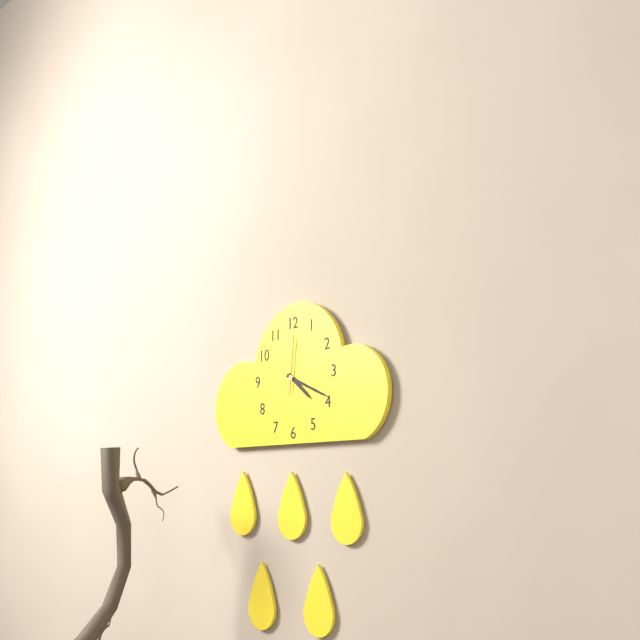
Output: 4h19m01s
